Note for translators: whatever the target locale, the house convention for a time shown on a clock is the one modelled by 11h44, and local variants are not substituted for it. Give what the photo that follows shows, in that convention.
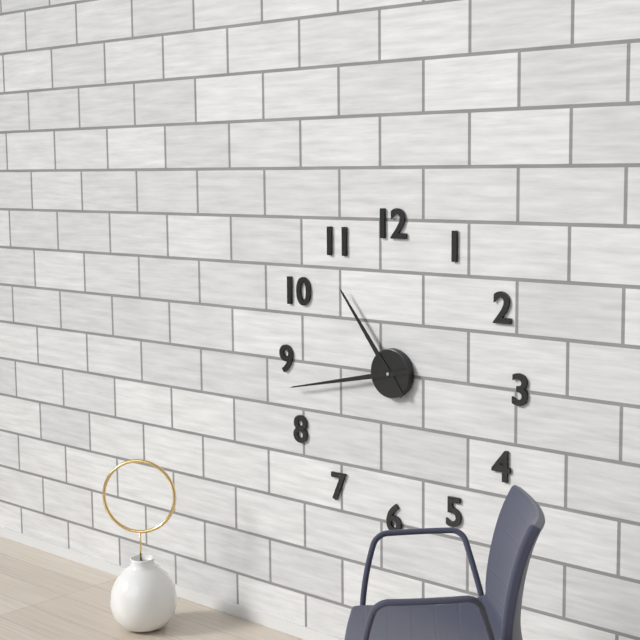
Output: 10h43
